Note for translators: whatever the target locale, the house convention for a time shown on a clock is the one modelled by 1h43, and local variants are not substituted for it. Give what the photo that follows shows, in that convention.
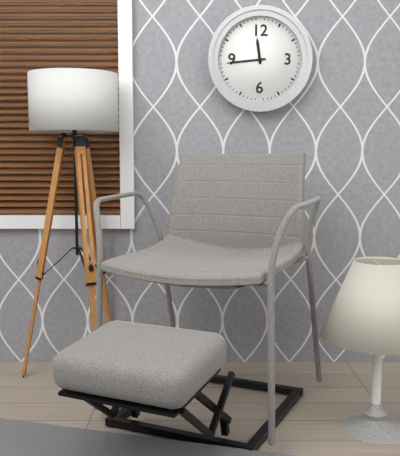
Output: 11h44
